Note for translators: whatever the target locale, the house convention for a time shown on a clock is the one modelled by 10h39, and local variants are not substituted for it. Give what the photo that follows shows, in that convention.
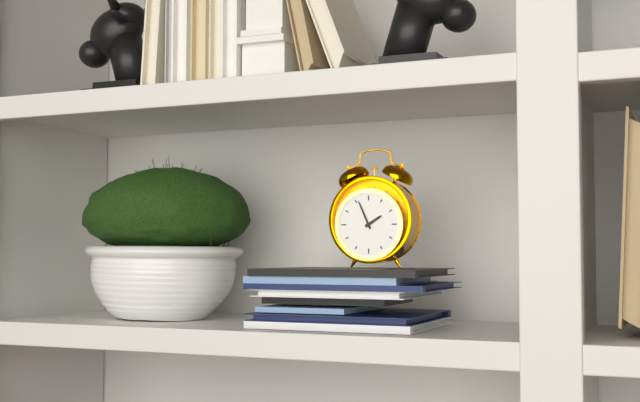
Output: 1h56
